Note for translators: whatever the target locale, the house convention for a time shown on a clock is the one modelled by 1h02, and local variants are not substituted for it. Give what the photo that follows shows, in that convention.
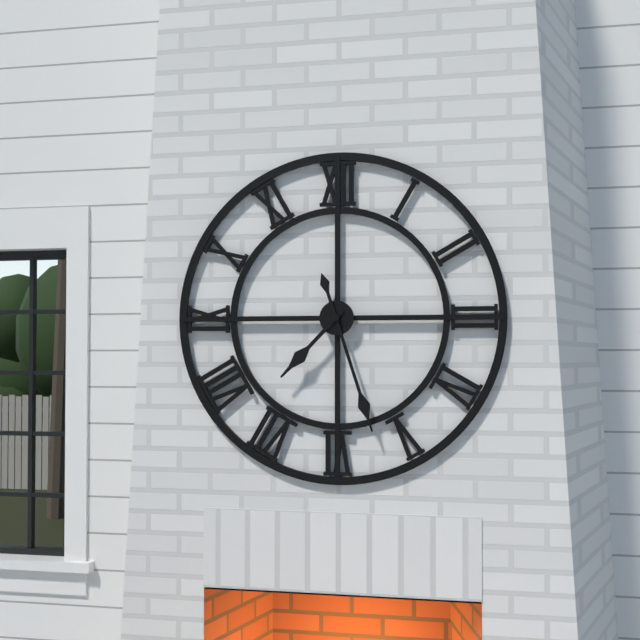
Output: 7h27
